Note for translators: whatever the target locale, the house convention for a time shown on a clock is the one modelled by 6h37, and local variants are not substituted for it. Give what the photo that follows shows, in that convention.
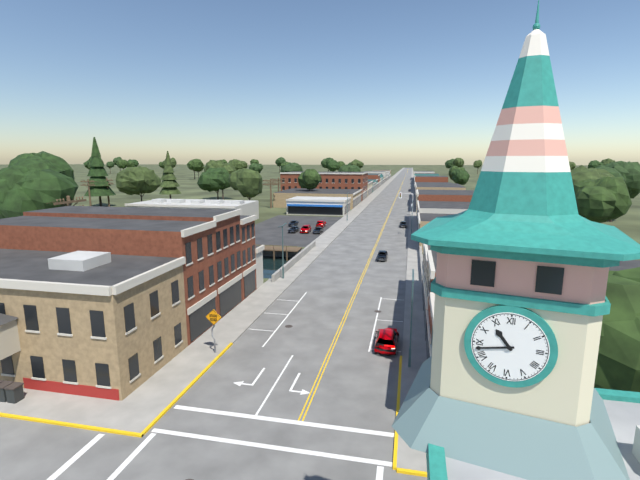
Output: 10h43
